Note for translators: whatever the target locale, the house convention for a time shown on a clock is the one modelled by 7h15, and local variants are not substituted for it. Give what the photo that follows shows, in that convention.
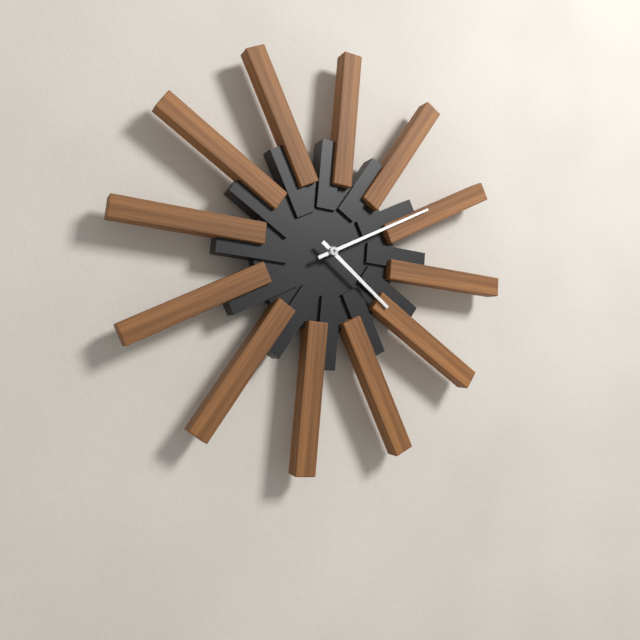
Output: 4h10
